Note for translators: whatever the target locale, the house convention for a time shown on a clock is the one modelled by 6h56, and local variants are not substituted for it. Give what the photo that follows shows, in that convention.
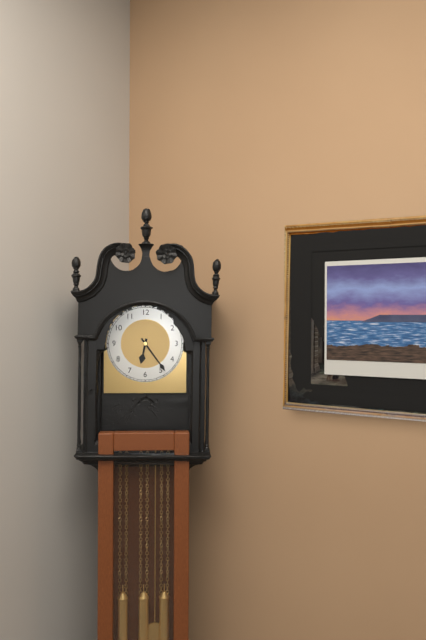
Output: 6h24
